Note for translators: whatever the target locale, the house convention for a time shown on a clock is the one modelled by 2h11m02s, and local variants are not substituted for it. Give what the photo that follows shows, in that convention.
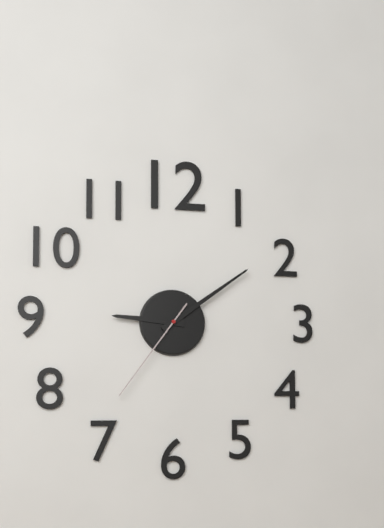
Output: 9h09m36s
